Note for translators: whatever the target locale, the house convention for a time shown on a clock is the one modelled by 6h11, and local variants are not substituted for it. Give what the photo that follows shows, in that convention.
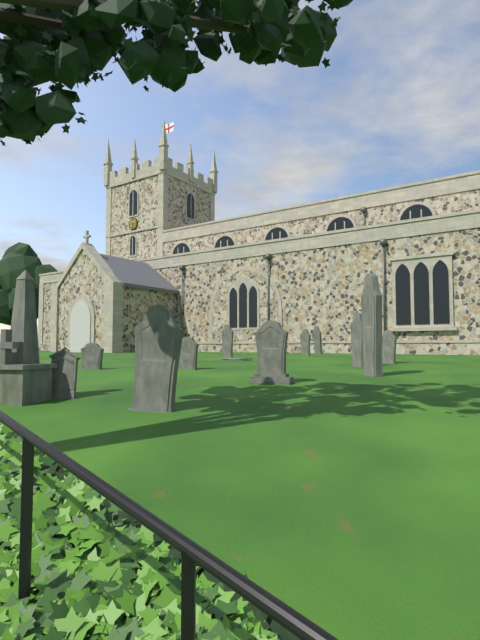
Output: 3h27
